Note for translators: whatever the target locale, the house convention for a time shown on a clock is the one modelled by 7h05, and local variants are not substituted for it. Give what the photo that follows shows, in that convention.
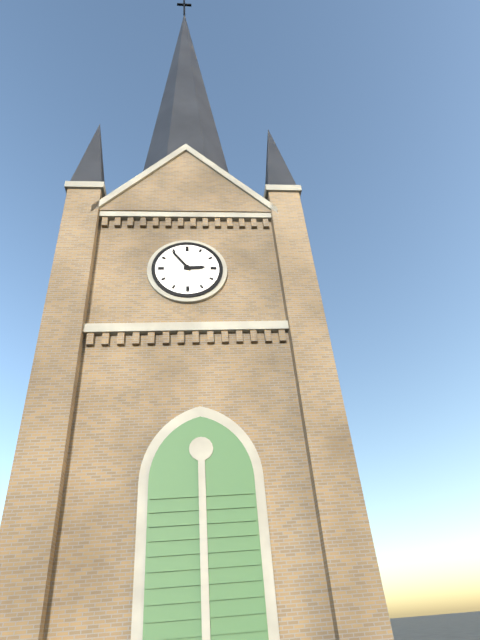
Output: 2h54
